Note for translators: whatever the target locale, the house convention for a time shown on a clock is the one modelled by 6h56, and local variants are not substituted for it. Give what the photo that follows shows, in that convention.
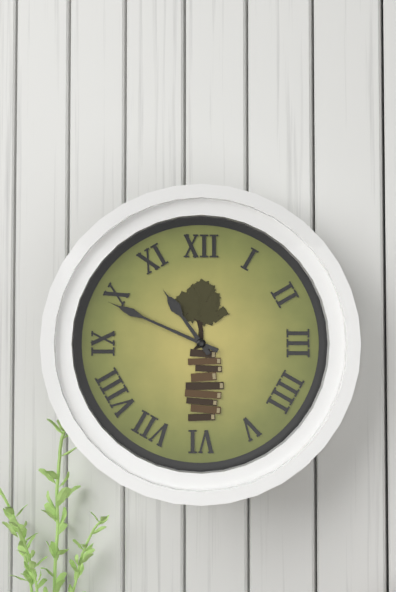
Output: 10h49
